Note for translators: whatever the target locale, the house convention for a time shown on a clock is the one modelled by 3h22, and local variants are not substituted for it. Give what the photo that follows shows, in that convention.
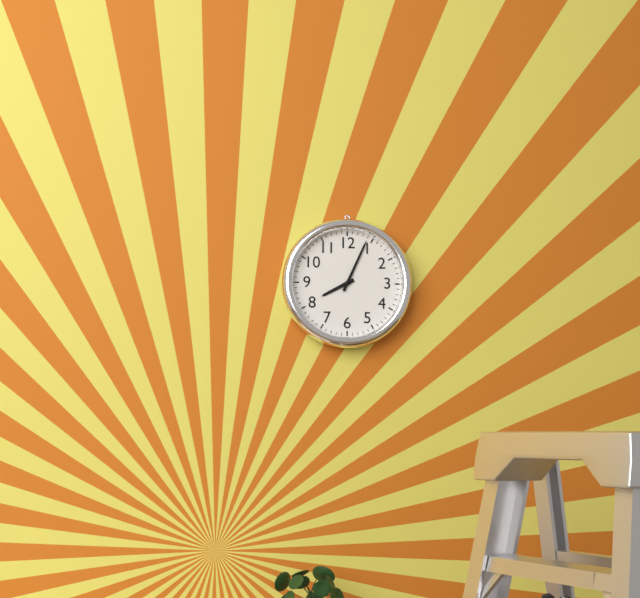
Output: 8h04
